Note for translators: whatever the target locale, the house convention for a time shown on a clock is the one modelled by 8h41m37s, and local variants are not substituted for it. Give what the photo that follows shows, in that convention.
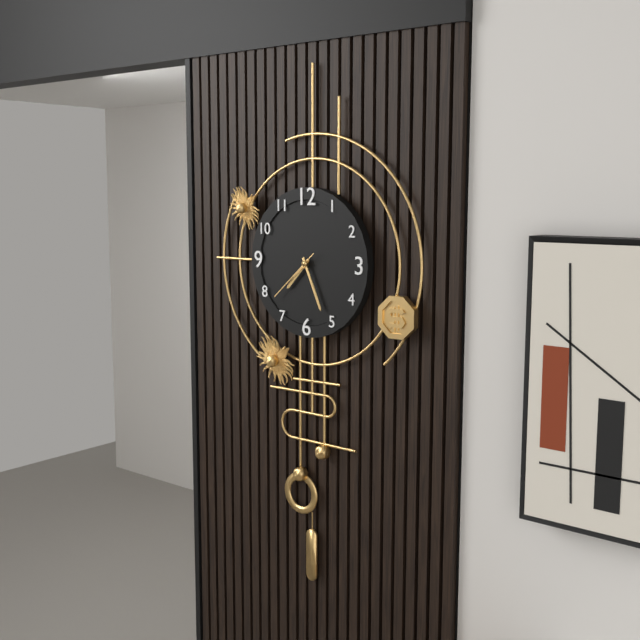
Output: 7h26m38s
